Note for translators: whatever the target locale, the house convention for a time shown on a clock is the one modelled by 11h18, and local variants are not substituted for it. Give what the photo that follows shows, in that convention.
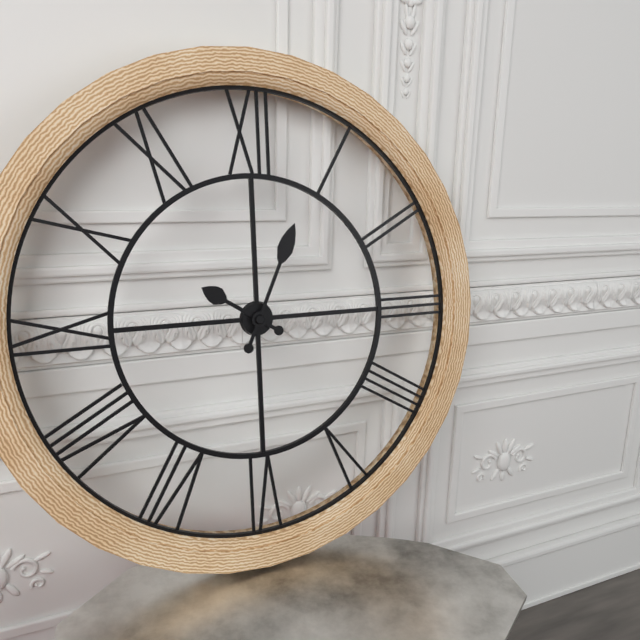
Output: 10h04
